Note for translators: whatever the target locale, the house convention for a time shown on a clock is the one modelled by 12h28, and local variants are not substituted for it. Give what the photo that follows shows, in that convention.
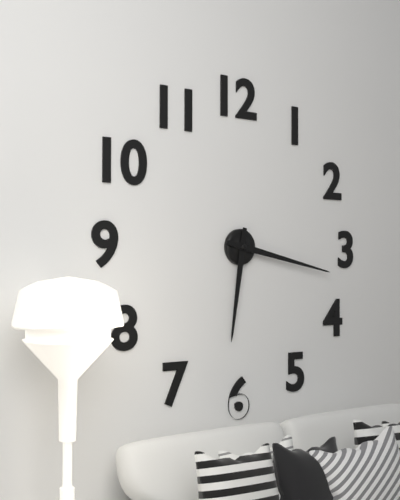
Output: 6h17
